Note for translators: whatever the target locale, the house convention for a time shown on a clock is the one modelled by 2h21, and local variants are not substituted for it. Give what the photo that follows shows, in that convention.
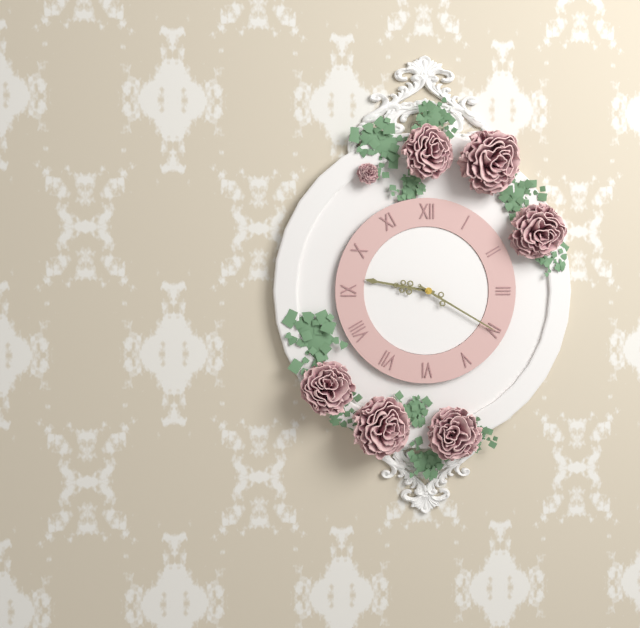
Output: 9h20
